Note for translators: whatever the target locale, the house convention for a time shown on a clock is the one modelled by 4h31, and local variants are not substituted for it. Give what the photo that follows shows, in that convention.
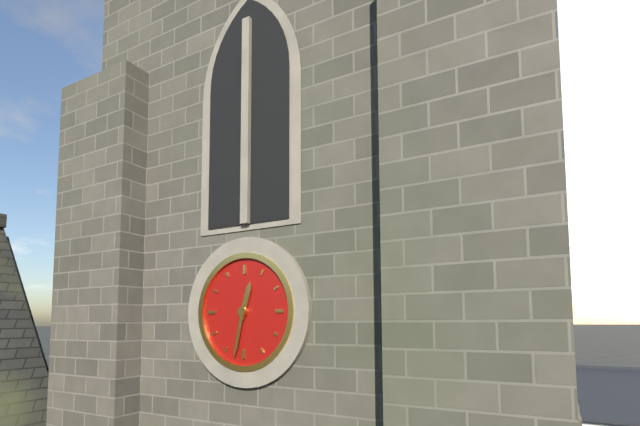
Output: 12h32
